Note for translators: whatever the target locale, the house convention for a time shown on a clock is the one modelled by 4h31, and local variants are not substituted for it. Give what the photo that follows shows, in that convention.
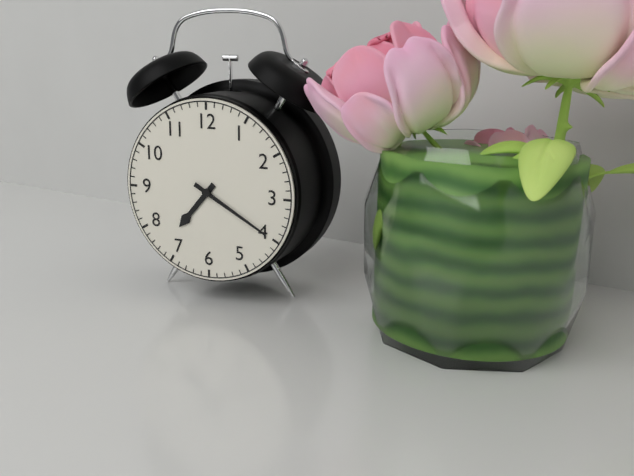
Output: 7h20
